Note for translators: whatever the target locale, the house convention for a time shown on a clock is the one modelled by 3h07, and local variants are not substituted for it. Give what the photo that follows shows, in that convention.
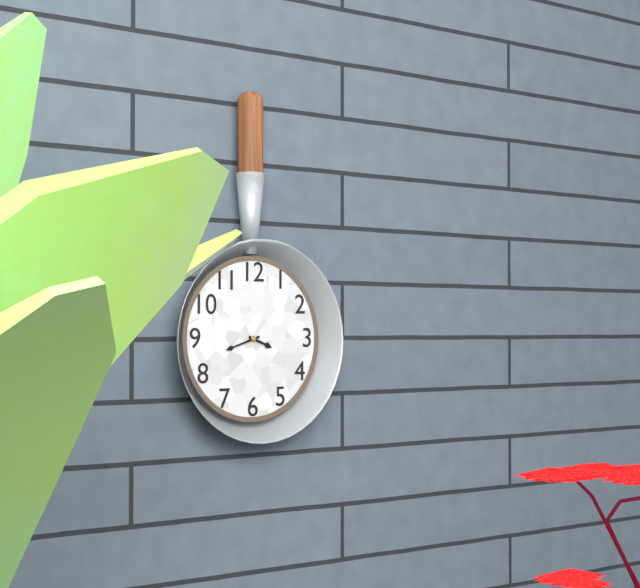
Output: 3h42
